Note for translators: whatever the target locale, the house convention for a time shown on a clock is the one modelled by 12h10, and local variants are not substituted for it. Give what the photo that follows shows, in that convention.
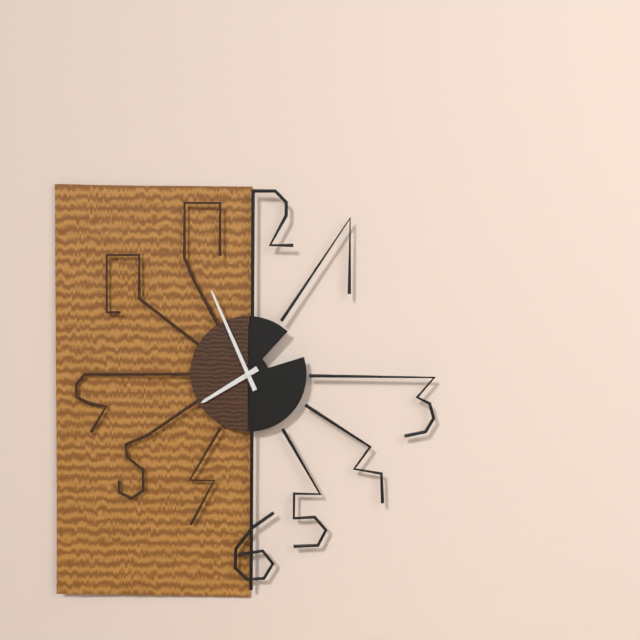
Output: 7h56
